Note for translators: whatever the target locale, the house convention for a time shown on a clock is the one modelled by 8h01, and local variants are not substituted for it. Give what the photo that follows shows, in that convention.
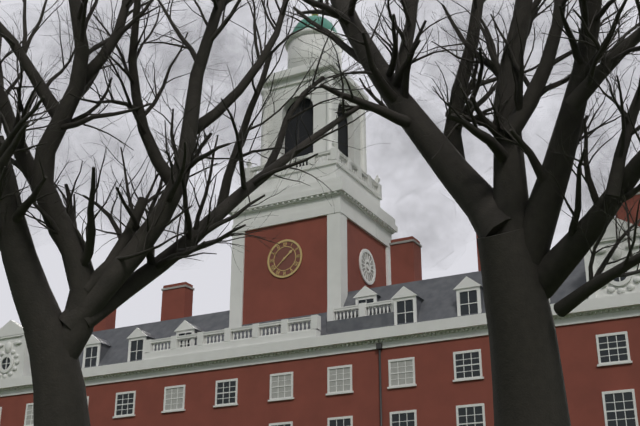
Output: 1h38
